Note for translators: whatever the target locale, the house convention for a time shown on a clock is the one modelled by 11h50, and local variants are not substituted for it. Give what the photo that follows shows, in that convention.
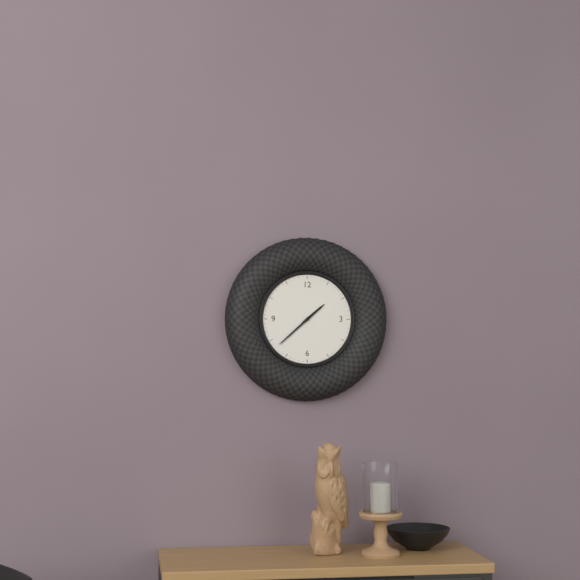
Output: 1h38
